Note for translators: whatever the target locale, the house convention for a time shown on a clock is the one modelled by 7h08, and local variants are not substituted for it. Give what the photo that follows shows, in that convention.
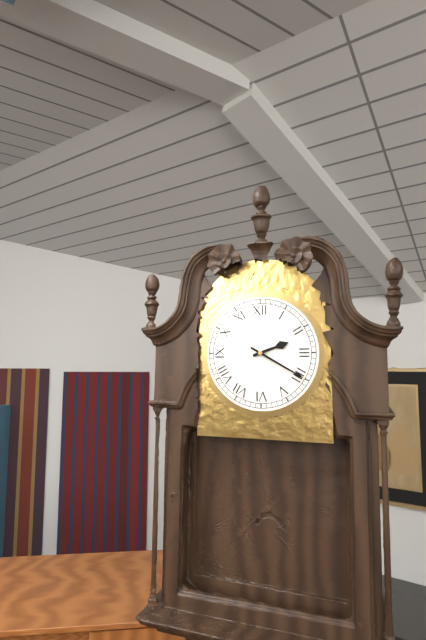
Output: 2h20
